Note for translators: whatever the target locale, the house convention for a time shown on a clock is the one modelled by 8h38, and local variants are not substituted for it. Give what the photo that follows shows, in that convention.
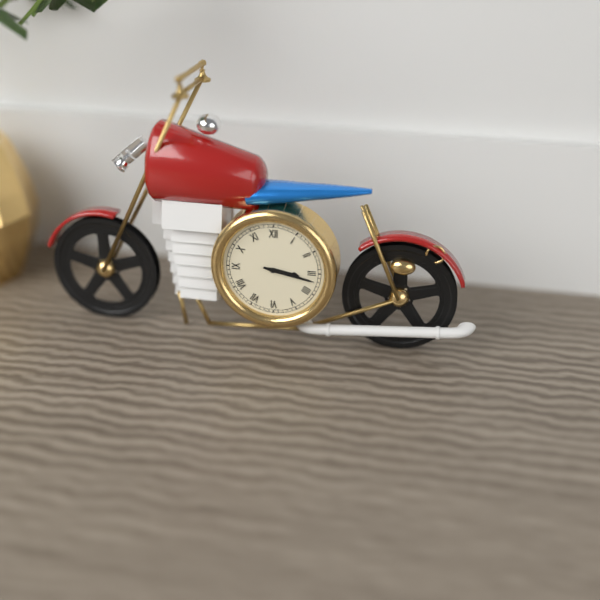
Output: 3h17
